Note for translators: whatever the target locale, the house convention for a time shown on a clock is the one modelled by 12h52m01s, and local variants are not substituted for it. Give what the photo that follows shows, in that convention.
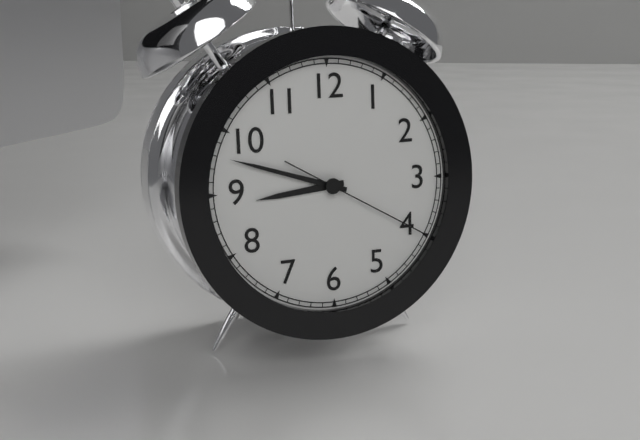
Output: 8h48m20s
